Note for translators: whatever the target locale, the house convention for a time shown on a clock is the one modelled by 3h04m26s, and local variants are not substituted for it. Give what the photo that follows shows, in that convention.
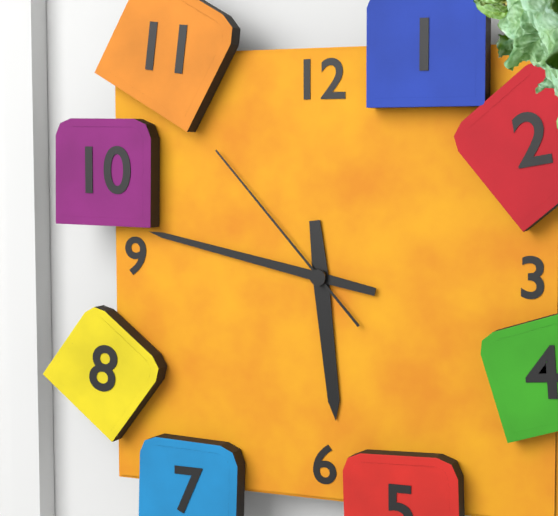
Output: 5h47m53s
